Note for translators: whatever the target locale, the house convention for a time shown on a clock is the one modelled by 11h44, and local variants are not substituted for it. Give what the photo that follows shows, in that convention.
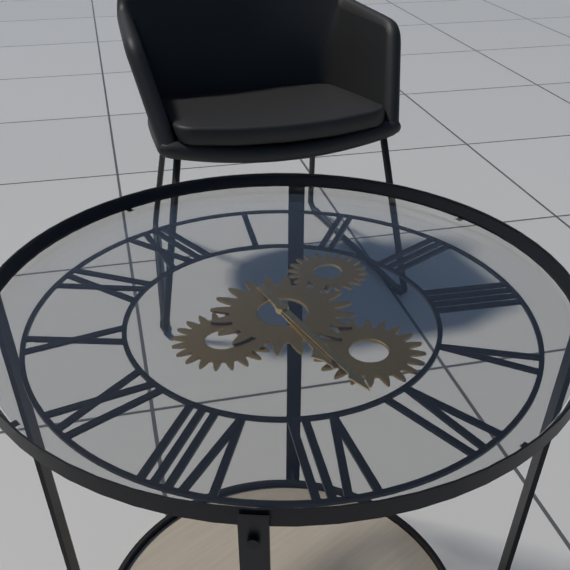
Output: 6h32
